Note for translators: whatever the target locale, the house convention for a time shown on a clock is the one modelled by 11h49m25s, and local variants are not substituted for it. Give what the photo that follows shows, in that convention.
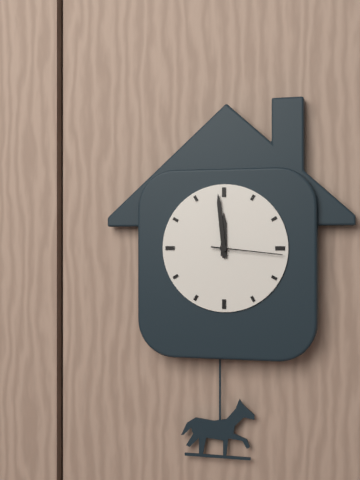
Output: 11h59m16s
